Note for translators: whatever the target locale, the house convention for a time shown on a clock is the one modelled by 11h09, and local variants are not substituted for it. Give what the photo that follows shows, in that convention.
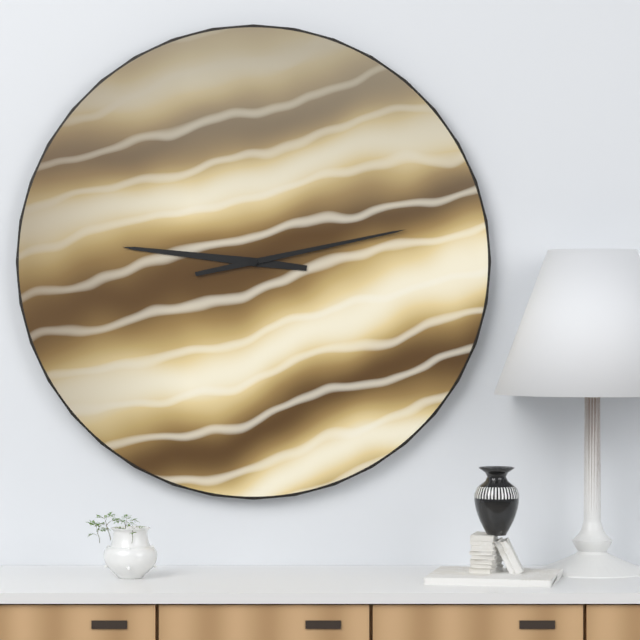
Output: 9h13
